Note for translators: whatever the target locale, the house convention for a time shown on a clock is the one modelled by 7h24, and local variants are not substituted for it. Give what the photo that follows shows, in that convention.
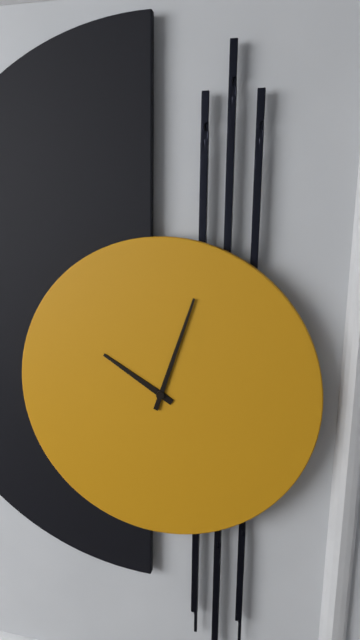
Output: 10h03
